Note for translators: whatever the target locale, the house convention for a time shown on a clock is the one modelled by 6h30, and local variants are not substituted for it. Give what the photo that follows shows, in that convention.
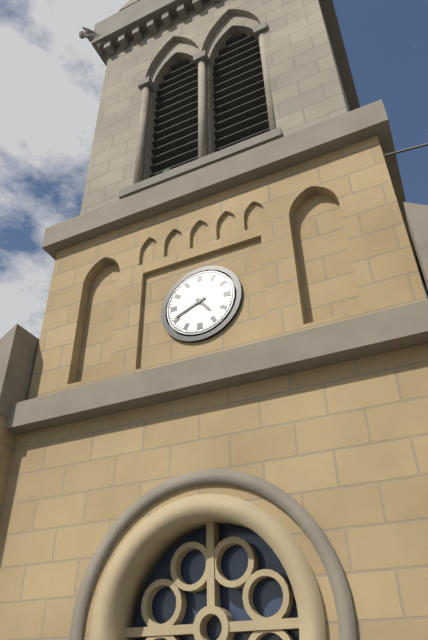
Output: 4h41
